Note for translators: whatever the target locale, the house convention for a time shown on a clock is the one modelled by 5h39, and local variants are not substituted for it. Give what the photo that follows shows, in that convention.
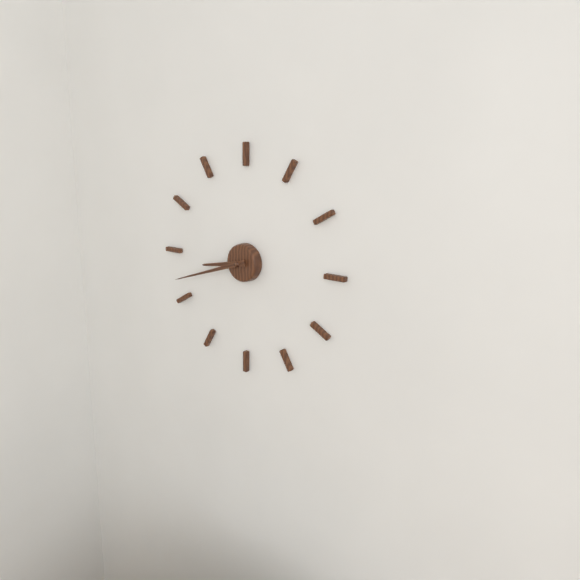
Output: 8h42
